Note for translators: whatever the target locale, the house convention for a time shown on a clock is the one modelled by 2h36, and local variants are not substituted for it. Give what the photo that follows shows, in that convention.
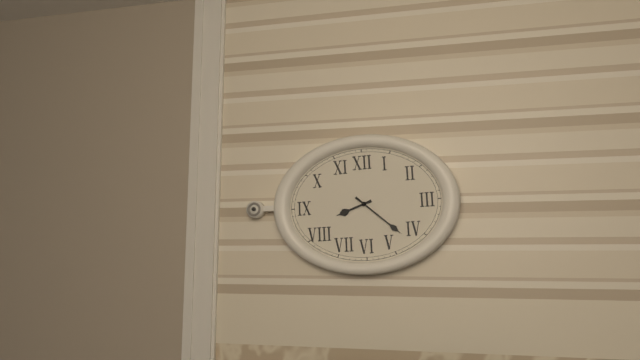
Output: 8h22
